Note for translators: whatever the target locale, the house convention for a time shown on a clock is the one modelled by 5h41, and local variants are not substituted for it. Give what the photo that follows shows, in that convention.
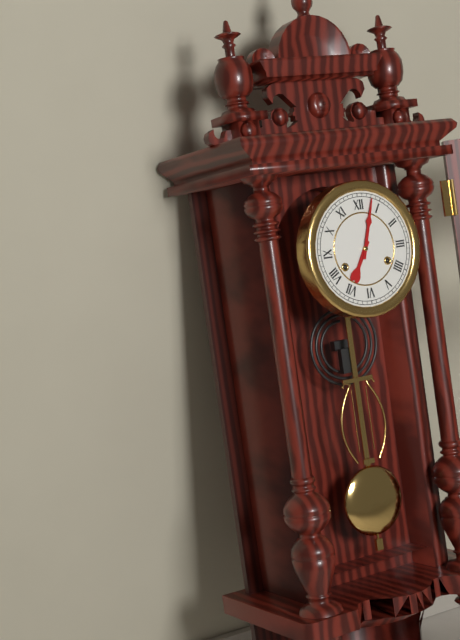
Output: 7h03
